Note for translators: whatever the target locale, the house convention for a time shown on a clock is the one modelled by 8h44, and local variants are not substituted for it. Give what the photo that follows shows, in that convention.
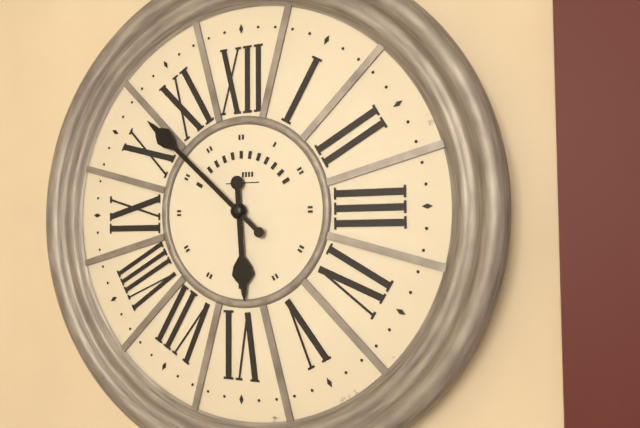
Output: 5h52
